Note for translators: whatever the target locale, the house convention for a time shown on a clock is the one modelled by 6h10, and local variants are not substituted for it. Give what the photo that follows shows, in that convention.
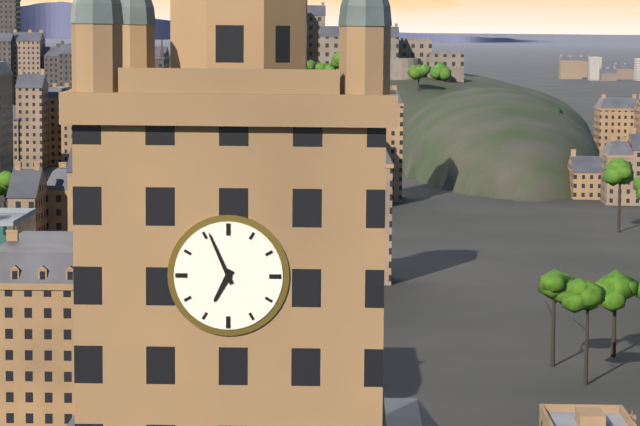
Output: 6h56
